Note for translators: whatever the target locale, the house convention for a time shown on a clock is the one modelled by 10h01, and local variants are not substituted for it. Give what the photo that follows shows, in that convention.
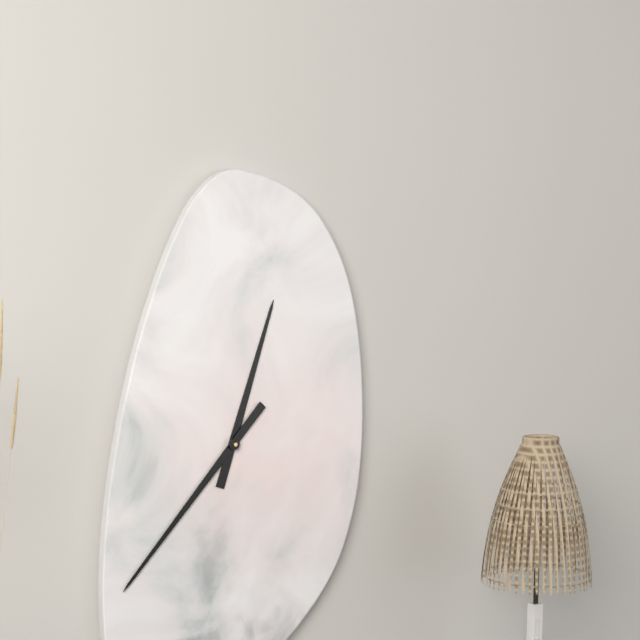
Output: 12h37
